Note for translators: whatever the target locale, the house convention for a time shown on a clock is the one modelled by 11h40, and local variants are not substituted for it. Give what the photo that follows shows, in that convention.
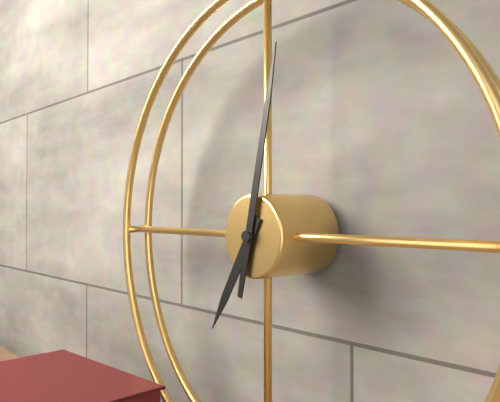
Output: 7h02
